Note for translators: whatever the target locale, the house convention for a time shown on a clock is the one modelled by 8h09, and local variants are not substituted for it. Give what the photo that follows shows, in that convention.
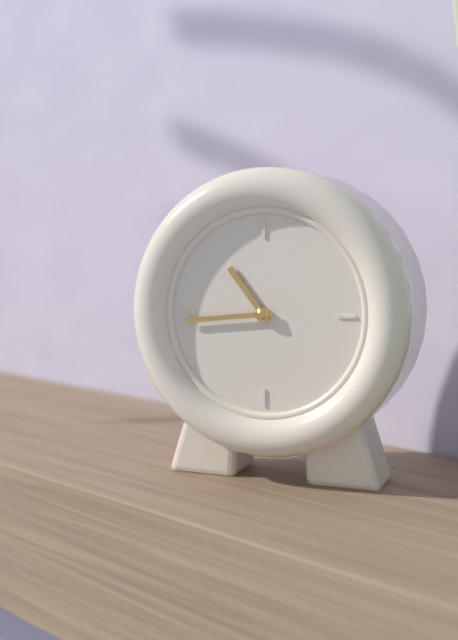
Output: 10h44
